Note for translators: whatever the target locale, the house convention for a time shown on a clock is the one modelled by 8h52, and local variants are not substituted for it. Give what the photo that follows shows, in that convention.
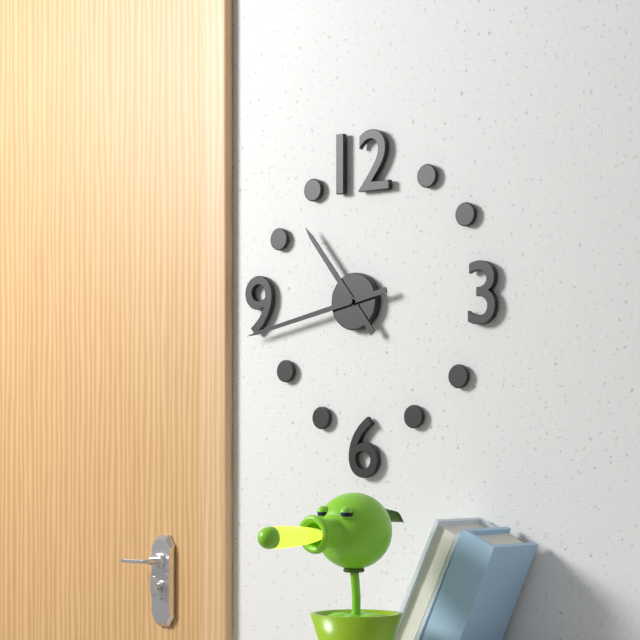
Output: 10h43
